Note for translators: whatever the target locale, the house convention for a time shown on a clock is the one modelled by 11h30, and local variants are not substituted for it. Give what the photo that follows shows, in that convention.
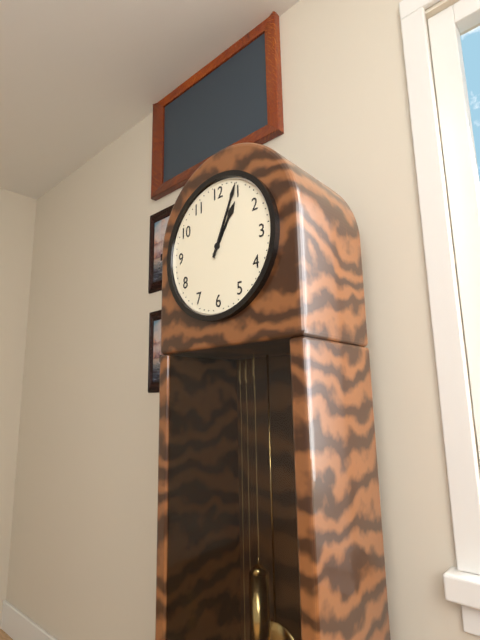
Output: 1h04
